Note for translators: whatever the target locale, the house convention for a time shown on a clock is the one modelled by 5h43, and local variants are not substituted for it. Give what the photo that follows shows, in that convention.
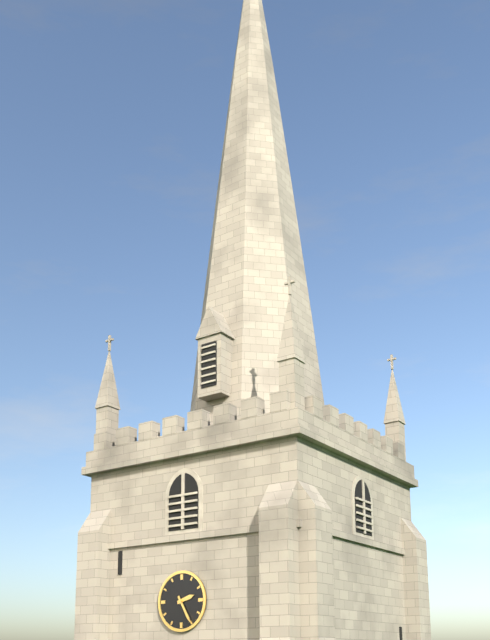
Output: 2h25
